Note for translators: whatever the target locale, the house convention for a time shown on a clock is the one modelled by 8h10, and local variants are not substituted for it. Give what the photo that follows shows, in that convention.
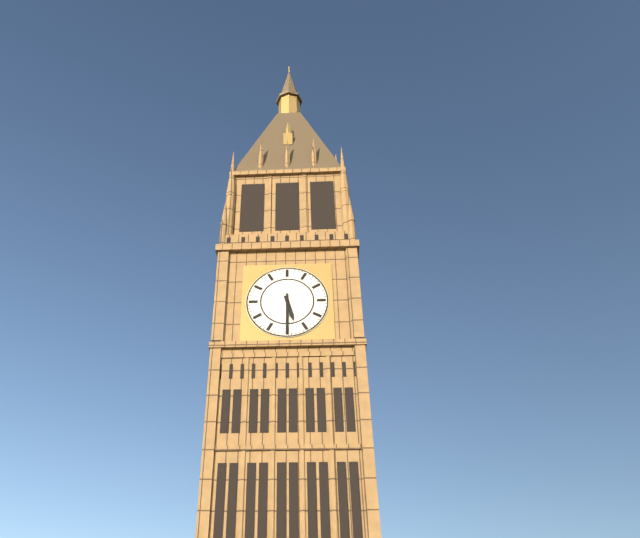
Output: 5h30
